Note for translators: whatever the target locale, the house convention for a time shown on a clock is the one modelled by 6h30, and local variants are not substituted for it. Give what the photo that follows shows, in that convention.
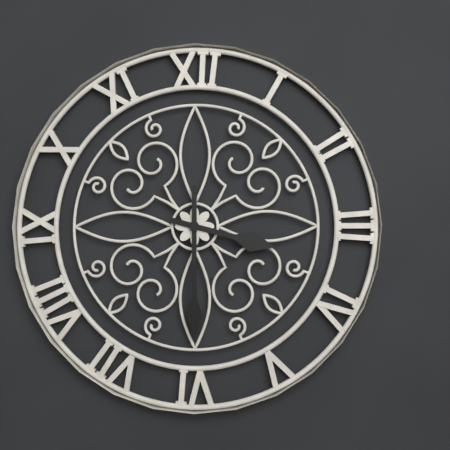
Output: 3h30
